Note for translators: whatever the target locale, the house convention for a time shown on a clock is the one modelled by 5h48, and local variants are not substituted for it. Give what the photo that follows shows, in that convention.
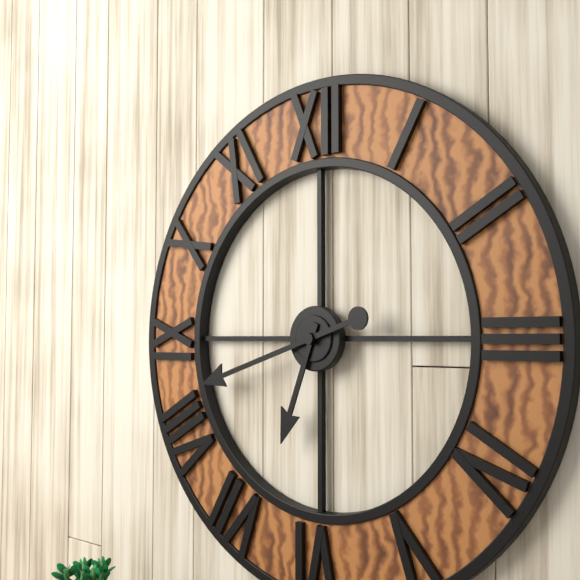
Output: 6h42
